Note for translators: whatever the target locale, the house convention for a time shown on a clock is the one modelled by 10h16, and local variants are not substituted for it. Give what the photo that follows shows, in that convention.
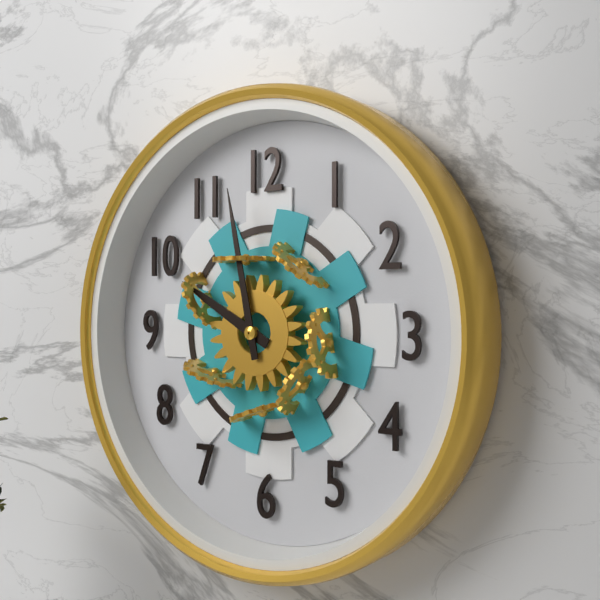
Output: 9h58
